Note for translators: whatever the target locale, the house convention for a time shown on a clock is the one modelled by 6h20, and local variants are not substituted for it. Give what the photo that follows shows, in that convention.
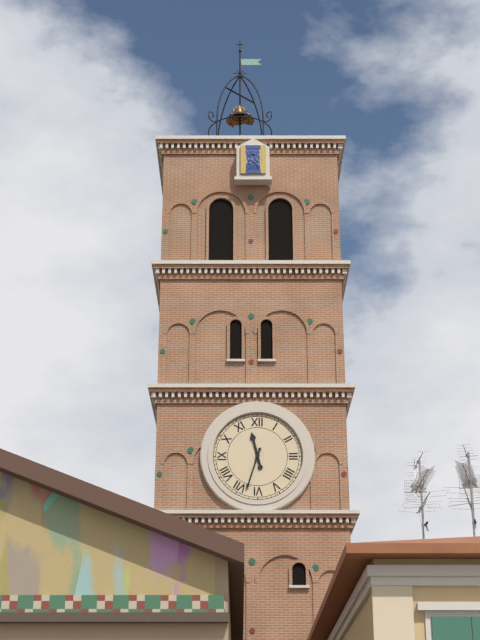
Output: 11h33
